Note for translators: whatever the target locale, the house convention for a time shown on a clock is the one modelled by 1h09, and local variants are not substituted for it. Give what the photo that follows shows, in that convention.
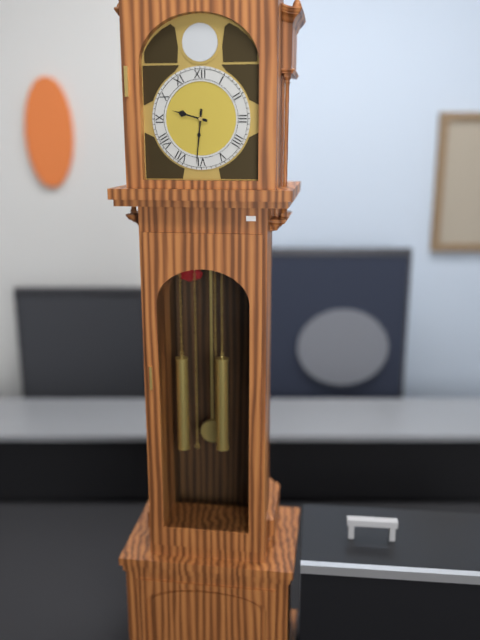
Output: 9h31
